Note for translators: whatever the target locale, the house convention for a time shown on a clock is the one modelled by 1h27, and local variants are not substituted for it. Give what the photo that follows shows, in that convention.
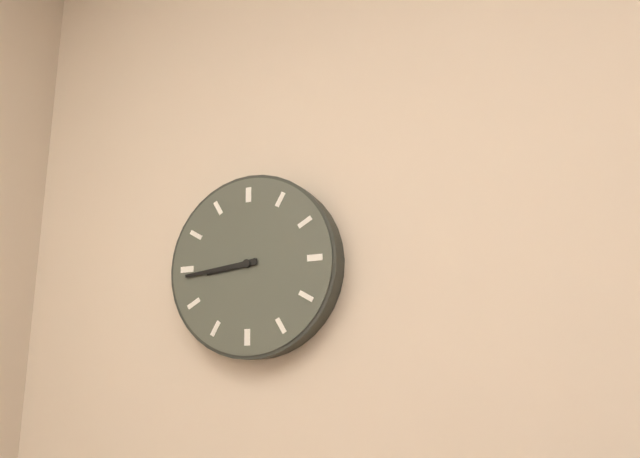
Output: 8h44
